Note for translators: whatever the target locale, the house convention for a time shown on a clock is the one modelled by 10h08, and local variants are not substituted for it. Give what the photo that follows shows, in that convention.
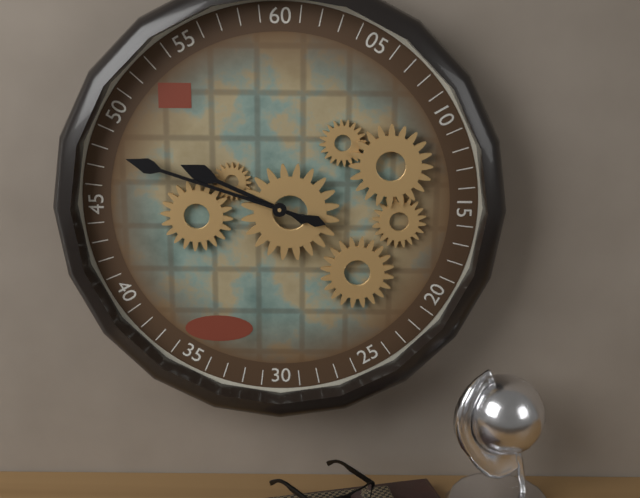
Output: 9h48
